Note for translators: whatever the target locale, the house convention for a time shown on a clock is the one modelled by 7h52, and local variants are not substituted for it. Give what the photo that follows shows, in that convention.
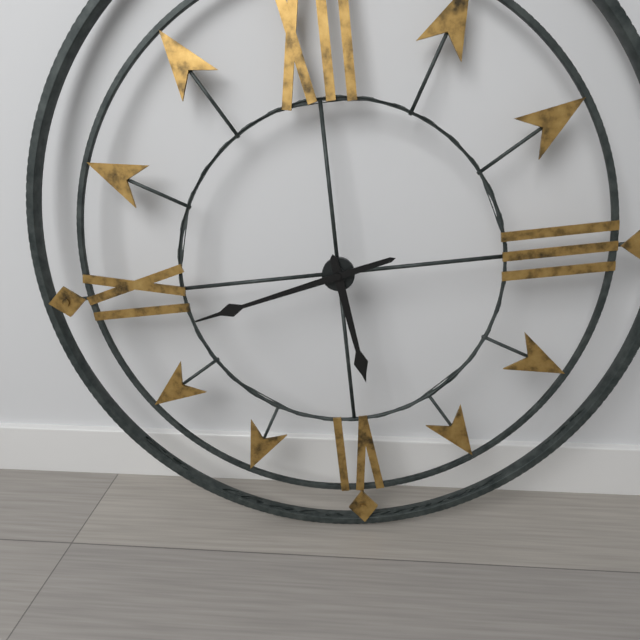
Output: 5h43
